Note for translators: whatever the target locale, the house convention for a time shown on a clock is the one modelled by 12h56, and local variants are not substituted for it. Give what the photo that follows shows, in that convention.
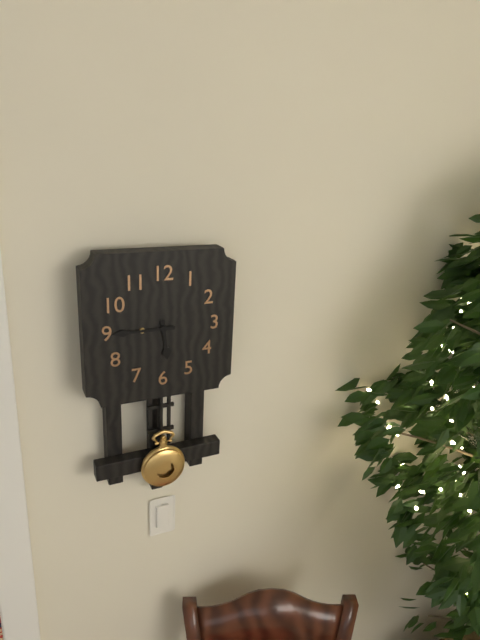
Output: 5h45
